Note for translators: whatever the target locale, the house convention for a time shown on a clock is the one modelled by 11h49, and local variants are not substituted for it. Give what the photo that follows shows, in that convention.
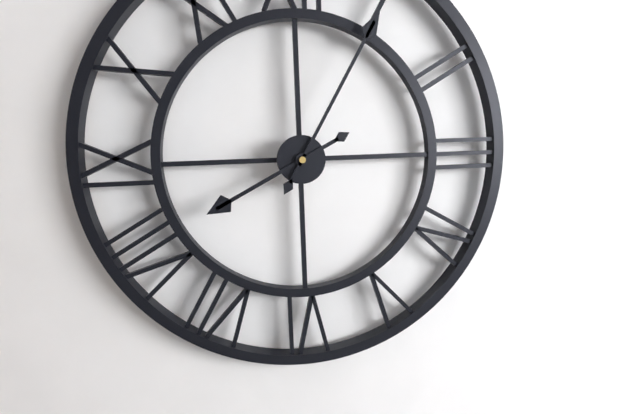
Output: 8h05
